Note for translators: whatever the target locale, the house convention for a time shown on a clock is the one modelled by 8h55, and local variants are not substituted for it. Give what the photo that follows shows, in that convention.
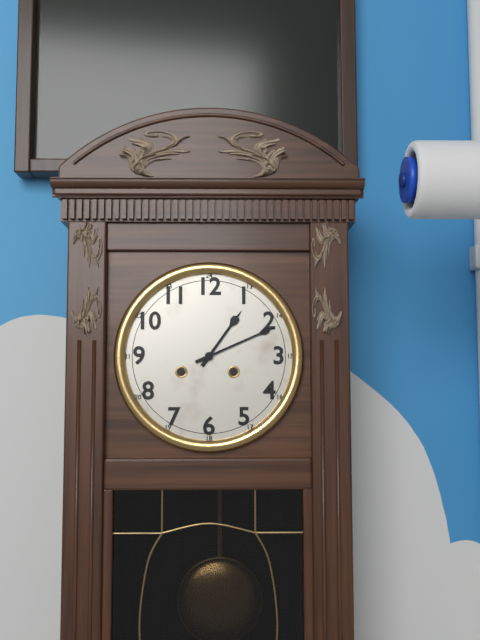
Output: 1h11
